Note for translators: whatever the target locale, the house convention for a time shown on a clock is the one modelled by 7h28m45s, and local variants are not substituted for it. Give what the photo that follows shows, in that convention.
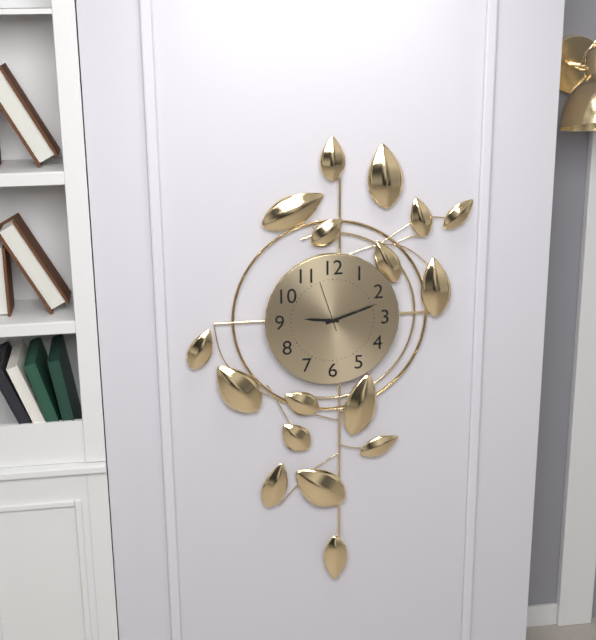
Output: 9h12m57s
